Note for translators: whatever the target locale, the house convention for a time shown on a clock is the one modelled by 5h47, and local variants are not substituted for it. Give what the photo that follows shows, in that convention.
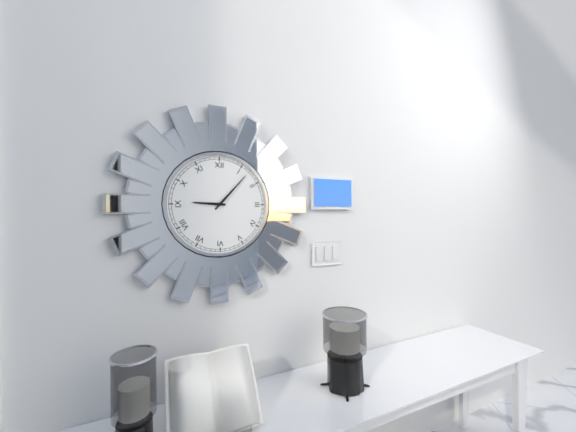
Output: 9h07
